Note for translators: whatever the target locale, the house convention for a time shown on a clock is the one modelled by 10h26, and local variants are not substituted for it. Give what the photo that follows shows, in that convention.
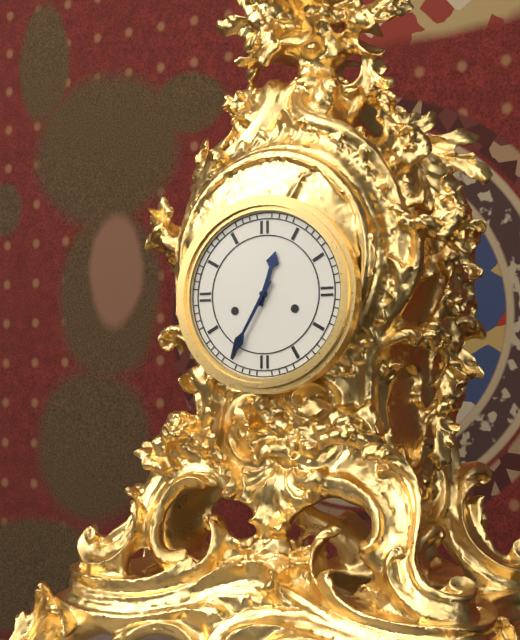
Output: 12h35
